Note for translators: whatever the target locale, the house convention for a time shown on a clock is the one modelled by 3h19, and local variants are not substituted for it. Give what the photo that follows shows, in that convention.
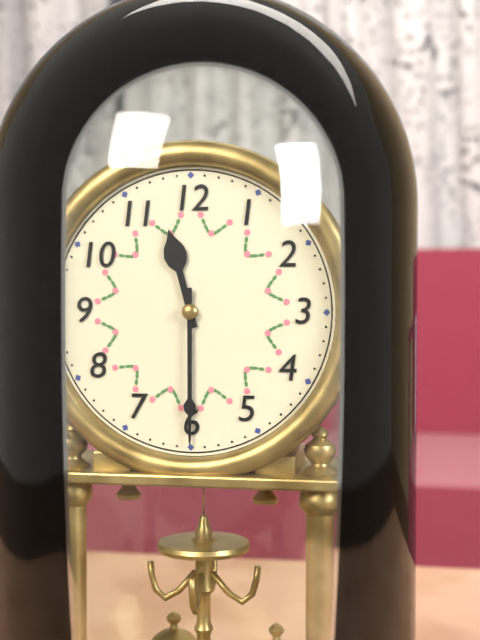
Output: 11h30
